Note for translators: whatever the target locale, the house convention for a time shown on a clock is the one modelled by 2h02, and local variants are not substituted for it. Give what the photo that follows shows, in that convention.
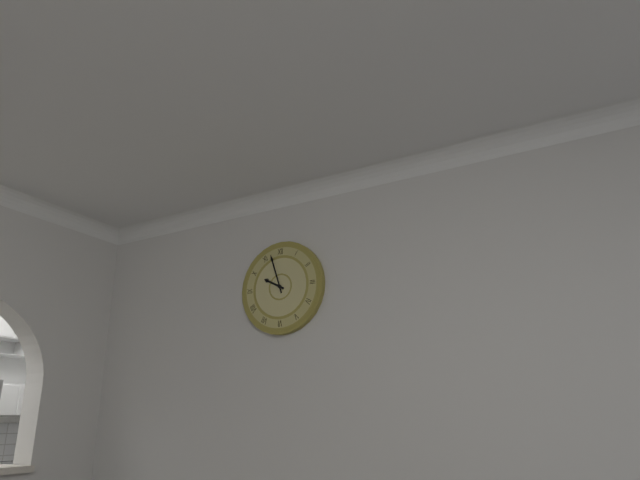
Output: 9h57
